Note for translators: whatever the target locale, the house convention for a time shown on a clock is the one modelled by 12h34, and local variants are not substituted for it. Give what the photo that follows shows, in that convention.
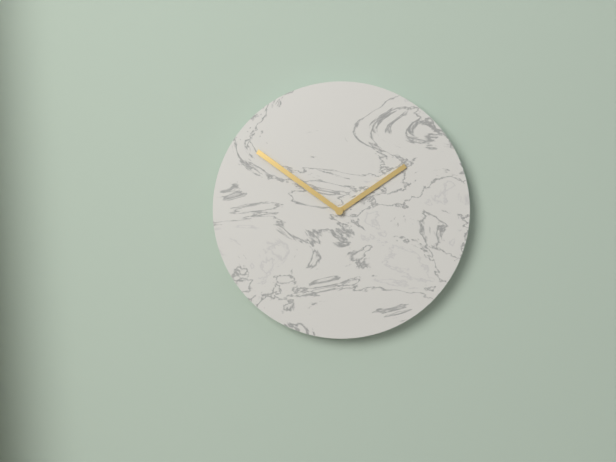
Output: 1h51
